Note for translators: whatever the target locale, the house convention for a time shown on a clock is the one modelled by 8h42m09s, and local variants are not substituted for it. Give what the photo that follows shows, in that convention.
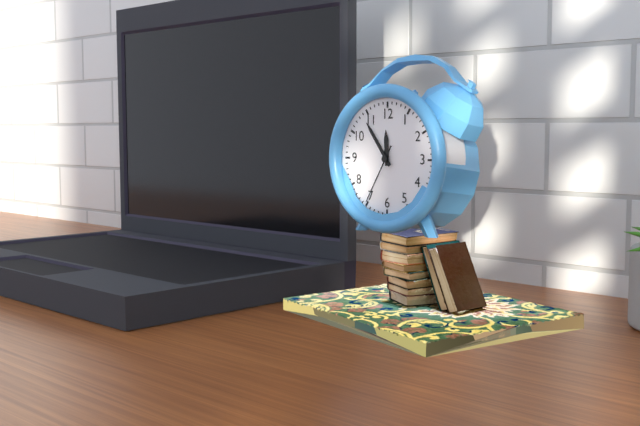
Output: 11h54m35s
